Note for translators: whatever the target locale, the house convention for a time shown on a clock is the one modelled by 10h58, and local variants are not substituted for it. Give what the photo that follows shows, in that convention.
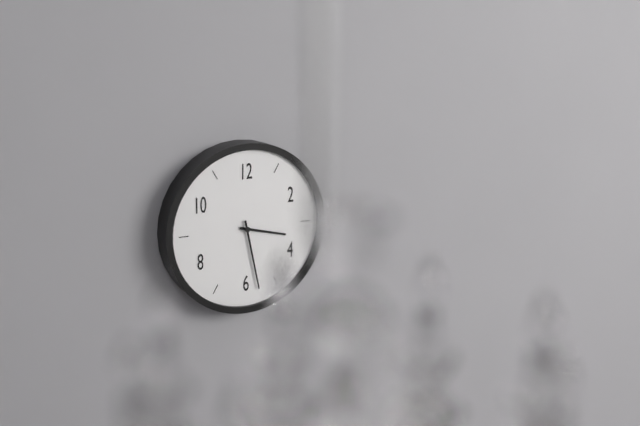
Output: 3h28
